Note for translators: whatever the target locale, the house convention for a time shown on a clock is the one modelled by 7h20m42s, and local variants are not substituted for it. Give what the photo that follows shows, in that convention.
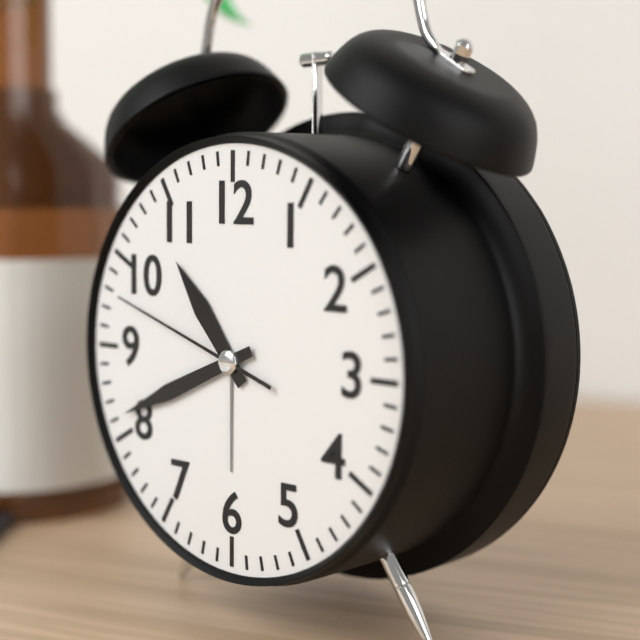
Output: 10h41m48s
